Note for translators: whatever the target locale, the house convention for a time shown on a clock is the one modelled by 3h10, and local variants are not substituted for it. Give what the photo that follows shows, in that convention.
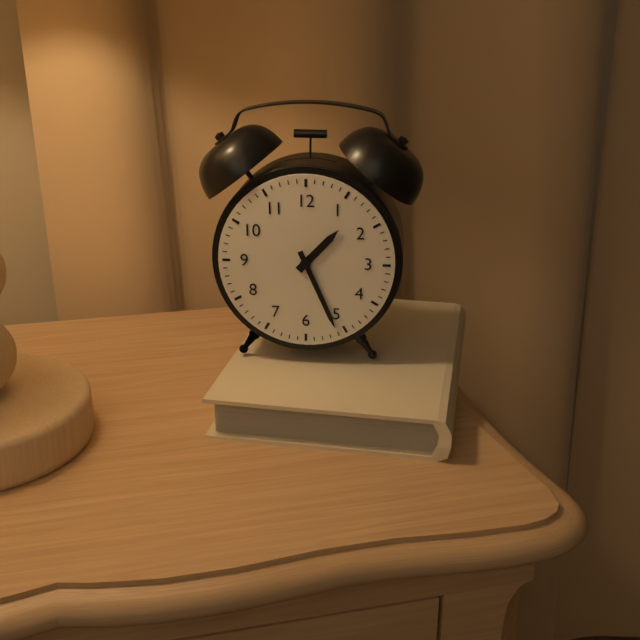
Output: 1h26
